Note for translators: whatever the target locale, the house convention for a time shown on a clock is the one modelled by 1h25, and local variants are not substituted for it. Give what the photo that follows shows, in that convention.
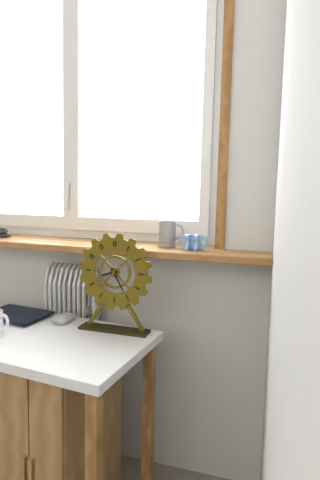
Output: 8h25
